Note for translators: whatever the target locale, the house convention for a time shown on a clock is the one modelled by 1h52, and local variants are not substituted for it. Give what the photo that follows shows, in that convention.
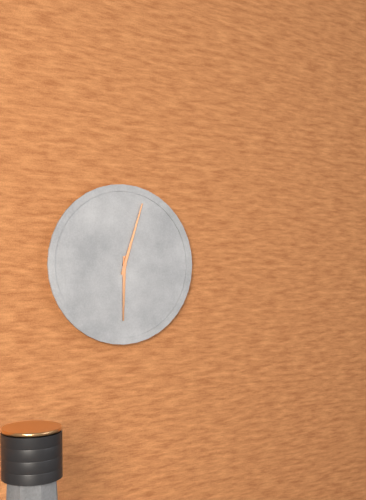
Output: 6h03
